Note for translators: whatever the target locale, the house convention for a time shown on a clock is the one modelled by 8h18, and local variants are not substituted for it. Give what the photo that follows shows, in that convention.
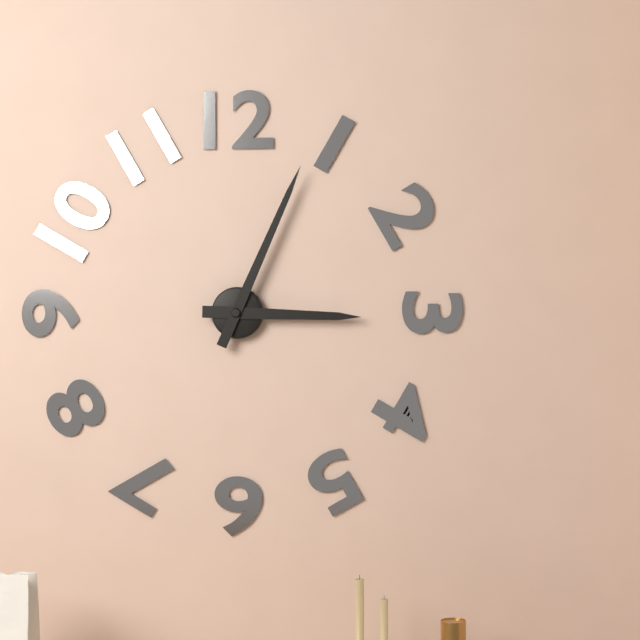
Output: 3h04
